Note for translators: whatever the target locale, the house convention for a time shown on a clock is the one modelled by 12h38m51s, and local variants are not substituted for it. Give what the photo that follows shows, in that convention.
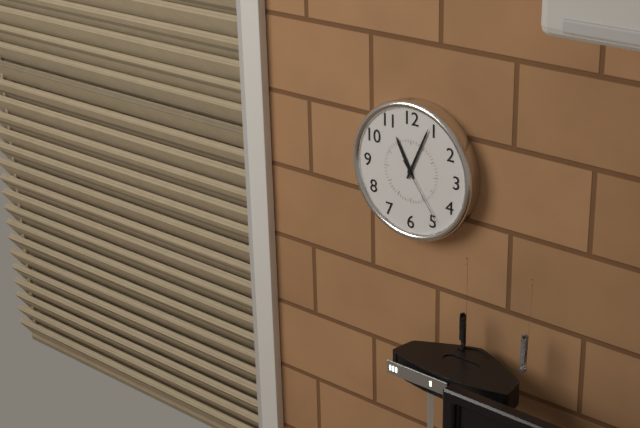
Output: 11h04m24s
